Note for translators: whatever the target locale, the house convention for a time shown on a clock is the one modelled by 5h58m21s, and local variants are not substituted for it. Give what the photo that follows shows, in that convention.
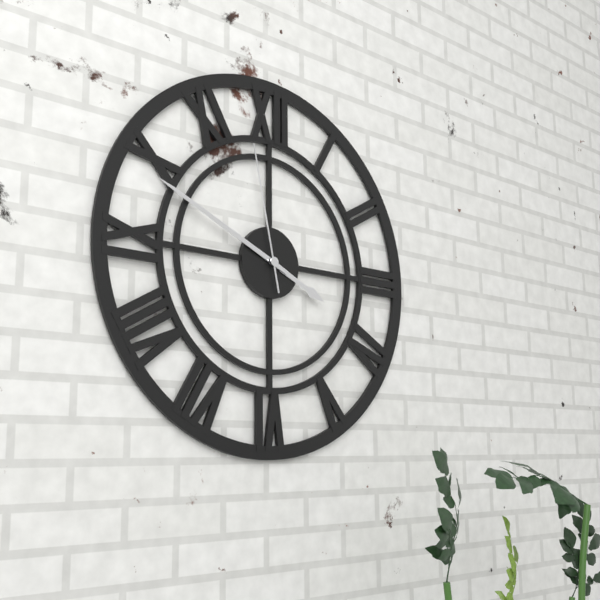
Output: 3h49m58s
